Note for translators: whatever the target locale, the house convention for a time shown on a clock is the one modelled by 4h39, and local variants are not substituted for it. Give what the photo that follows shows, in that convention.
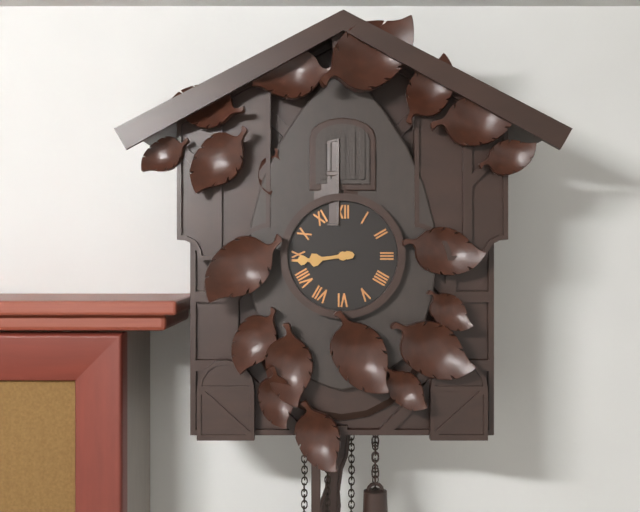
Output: 8h44
